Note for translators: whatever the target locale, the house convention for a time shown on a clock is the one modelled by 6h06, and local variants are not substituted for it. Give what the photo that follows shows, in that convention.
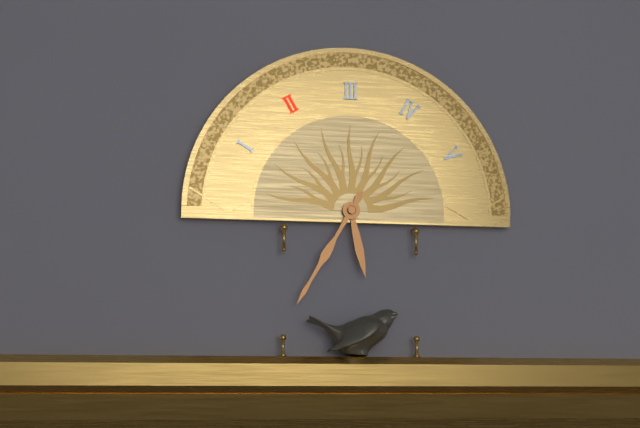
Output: 5h35
